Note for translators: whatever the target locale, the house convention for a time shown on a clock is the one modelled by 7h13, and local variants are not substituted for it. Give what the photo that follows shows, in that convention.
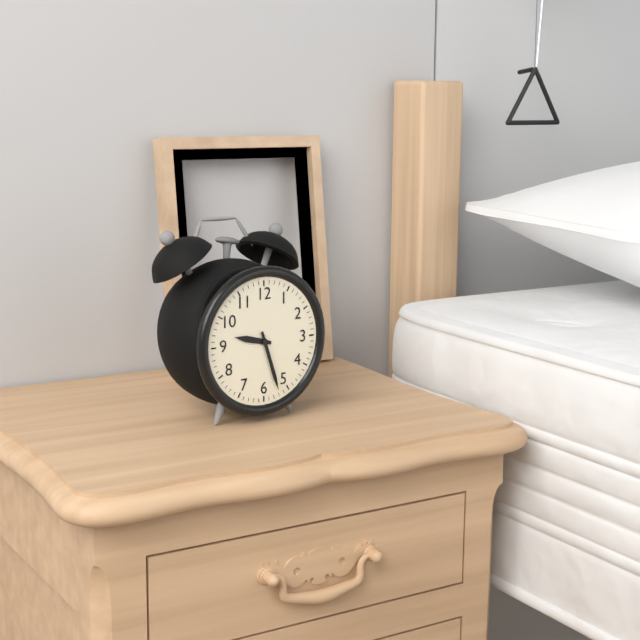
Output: 9h27
